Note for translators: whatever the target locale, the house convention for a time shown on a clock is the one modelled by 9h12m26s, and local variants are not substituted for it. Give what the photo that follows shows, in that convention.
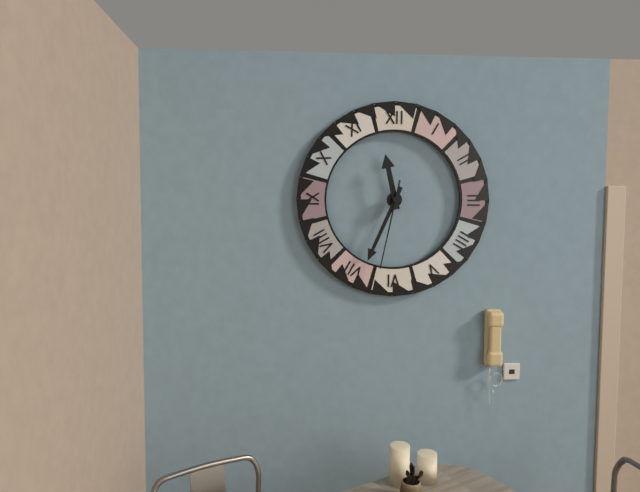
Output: 11h34m32s
